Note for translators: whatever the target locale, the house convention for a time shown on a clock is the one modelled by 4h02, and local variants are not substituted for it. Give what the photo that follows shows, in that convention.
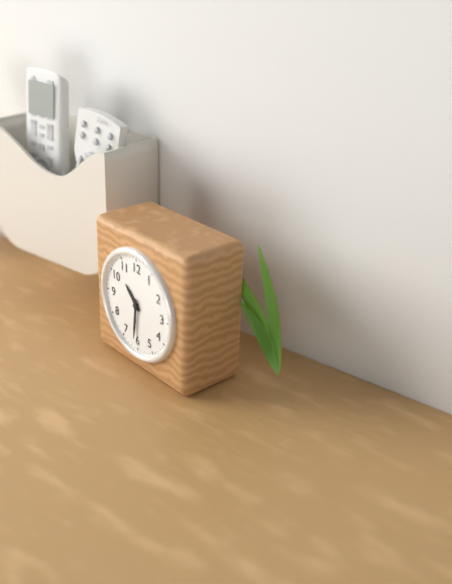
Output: 10h31
